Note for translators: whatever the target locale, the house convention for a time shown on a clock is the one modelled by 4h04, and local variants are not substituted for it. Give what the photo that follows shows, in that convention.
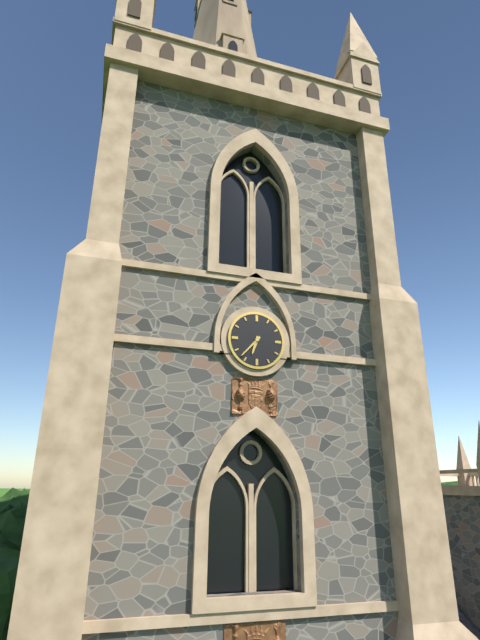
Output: 6h37
